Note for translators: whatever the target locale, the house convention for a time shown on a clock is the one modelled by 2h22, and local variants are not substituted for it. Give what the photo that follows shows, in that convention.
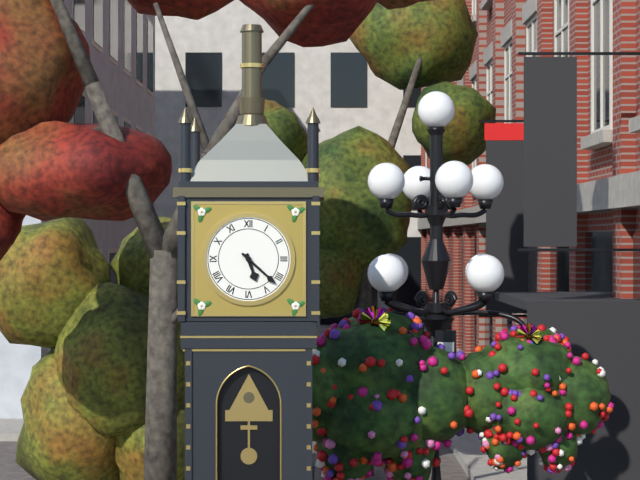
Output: 5h22
